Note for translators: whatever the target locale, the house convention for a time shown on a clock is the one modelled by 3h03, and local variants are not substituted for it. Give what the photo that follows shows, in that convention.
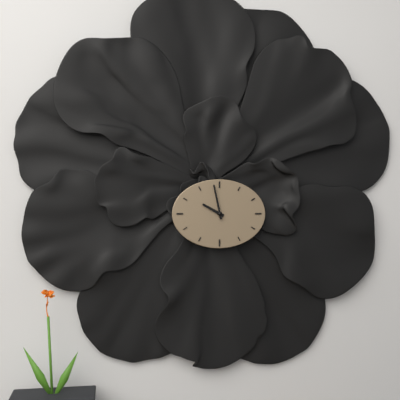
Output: 9h58
